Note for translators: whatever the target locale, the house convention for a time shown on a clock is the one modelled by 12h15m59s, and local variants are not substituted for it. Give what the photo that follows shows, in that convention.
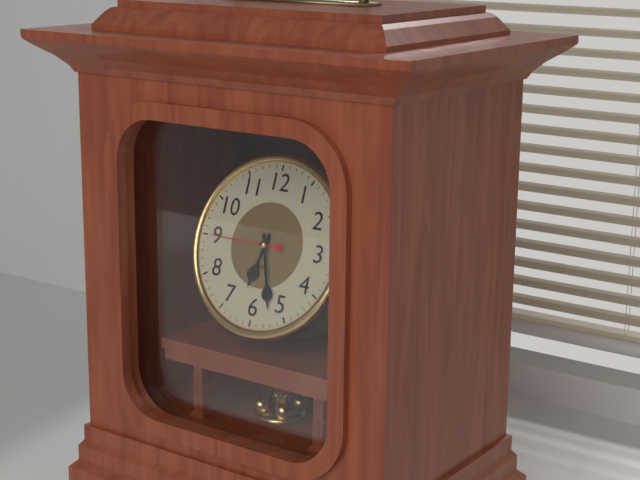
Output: 6h27m45s
